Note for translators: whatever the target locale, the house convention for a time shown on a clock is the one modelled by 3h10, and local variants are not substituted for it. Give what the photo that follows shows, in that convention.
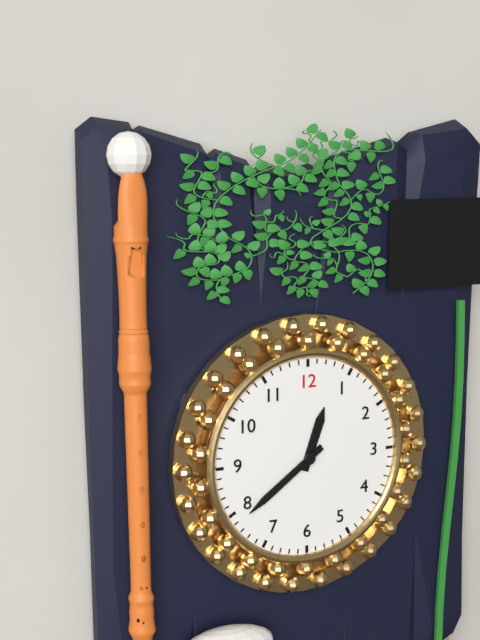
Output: 12h39
